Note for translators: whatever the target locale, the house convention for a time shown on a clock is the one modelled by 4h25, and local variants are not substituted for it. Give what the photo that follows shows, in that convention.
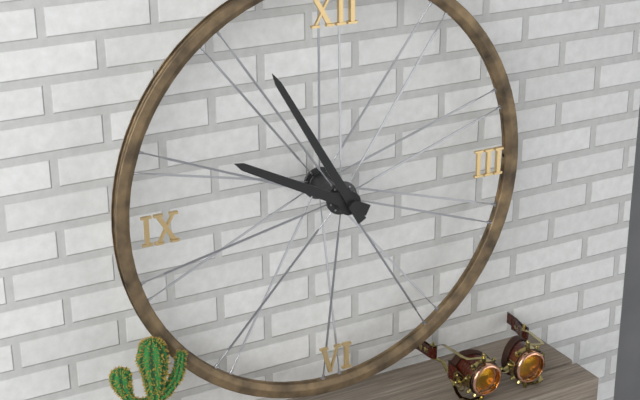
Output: 9h55
